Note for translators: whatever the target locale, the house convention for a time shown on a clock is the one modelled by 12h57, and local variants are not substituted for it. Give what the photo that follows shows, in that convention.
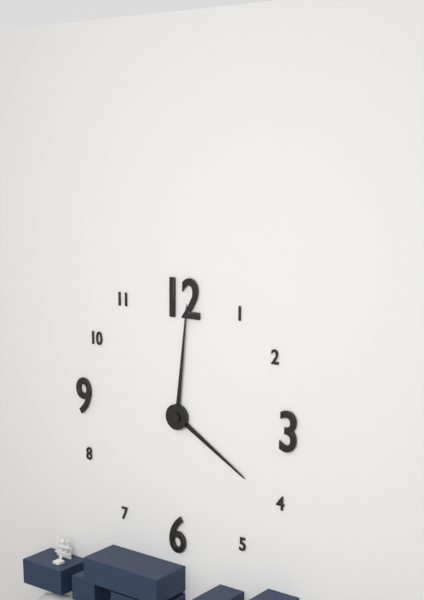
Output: 4h01
